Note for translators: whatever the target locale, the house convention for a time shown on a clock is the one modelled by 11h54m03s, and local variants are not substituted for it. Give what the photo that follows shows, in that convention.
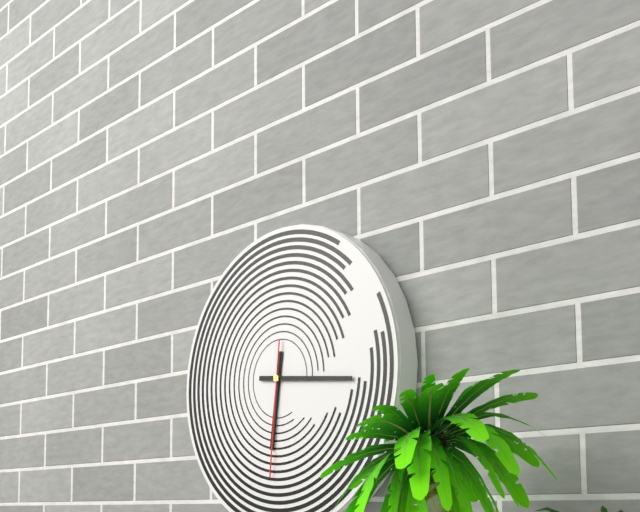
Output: 6h16m31s
